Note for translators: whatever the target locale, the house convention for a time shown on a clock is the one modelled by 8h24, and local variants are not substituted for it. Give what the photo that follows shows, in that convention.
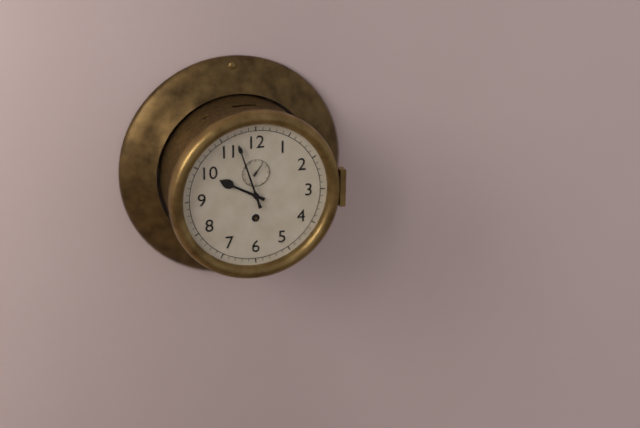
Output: 9h57
